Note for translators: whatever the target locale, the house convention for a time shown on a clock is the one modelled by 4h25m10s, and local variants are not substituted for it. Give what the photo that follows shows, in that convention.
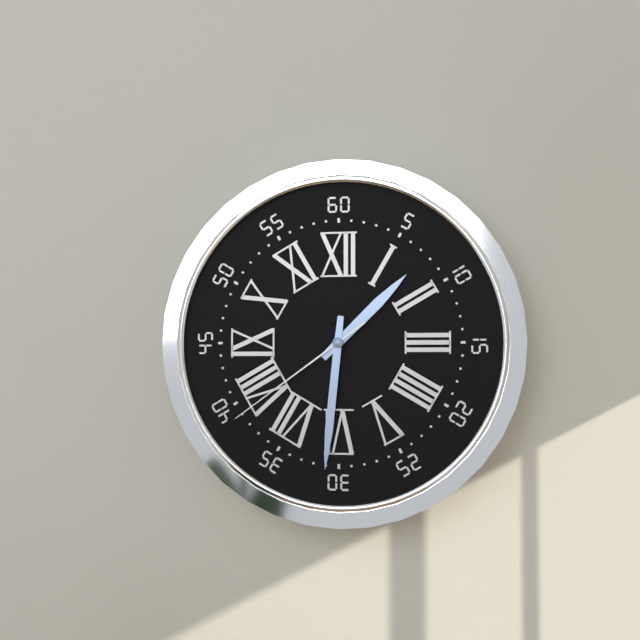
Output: 1h31m39s
